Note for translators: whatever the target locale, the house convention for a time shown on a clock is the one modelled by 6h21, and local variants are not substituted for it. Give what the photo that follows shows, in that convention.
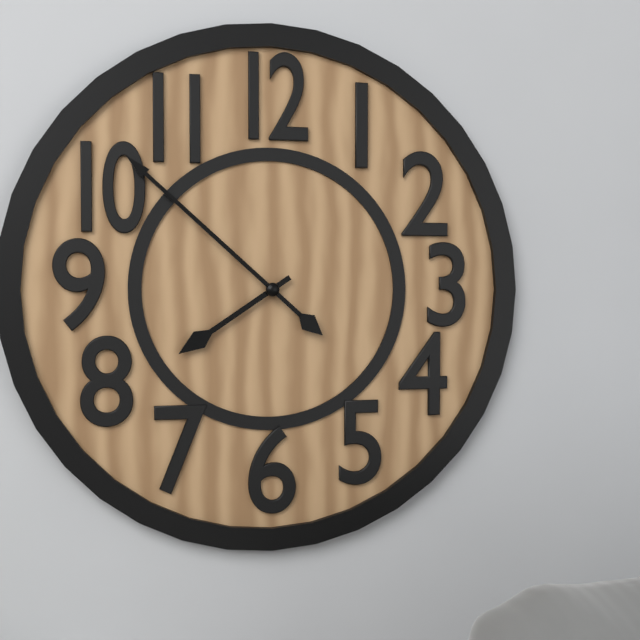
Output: 7h52
